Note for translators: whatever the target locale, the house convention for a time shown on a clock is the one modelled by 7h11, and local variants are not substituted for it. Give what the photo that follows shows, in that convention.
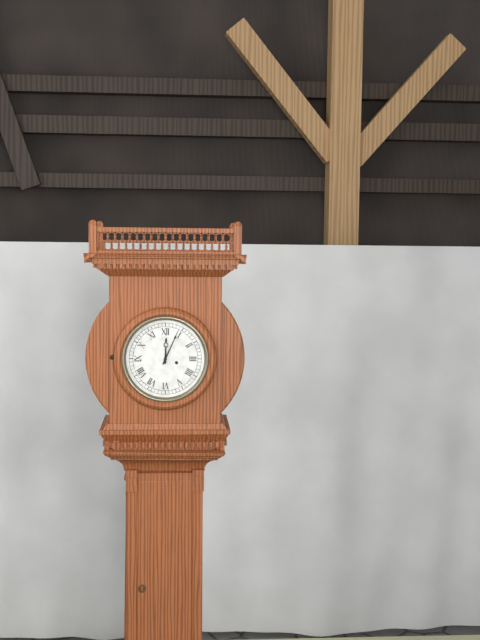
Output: 12h04
